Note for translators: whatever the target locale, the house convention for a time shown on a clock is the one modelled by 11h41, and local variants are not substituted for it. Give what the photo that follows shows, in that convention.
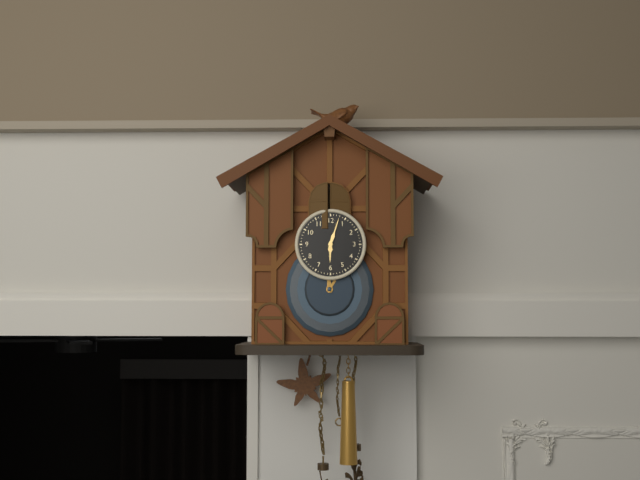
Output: 6h03
